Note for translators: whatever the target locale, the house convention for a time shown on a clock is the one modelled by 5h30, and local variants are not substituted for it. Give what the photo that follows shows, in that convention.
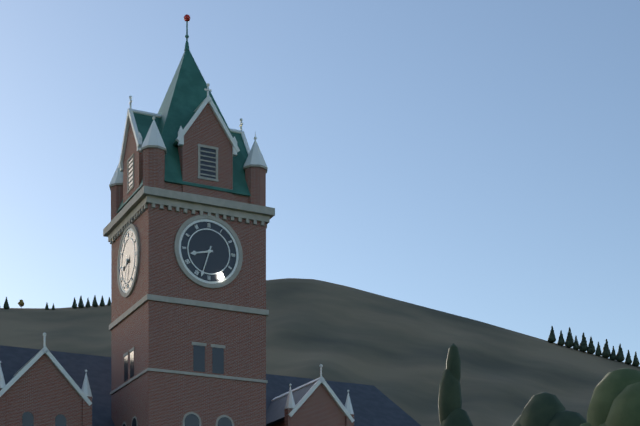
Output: 8h33
